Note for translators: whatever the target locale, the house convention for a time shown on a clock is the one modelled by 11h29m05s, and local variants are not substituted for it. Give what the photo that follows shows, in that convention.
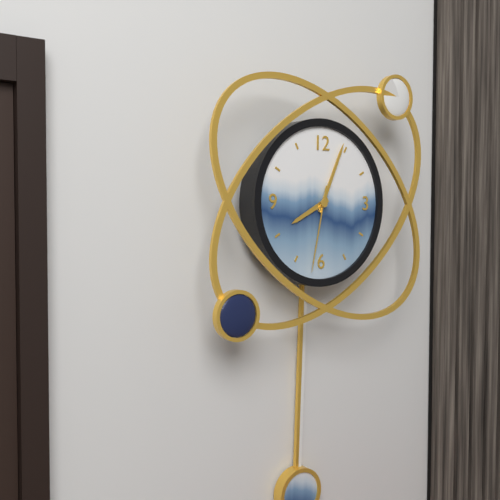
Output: 8h04m32s
